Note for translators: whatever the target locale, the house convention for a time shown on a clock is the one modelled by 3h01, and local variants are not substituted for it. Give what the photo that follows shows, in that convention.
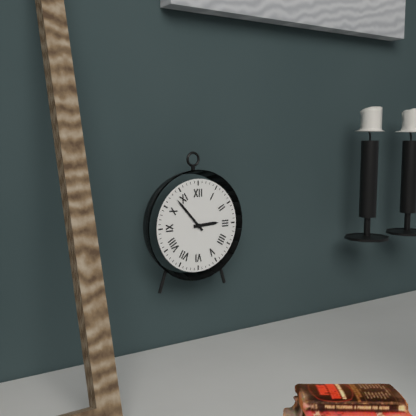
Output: 2h53
